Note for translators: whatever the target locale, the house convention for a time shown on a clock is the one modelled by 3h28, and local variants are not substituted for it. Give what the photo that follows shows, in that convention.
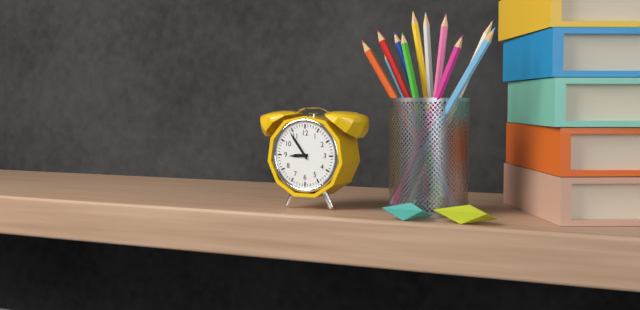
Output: 8h54
